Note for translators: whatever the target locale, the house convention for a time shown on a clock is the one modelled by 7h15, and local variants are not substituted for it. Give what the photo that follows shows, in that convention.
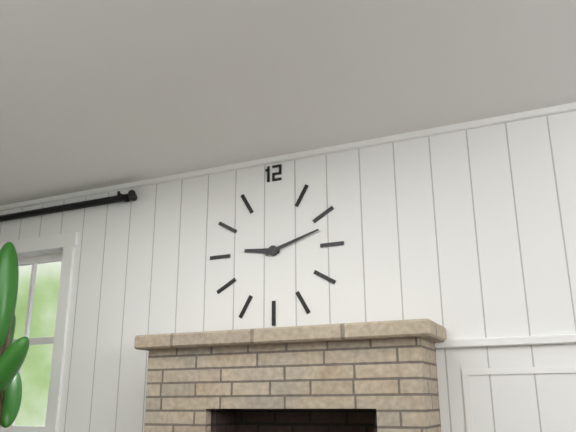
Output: 9h12
